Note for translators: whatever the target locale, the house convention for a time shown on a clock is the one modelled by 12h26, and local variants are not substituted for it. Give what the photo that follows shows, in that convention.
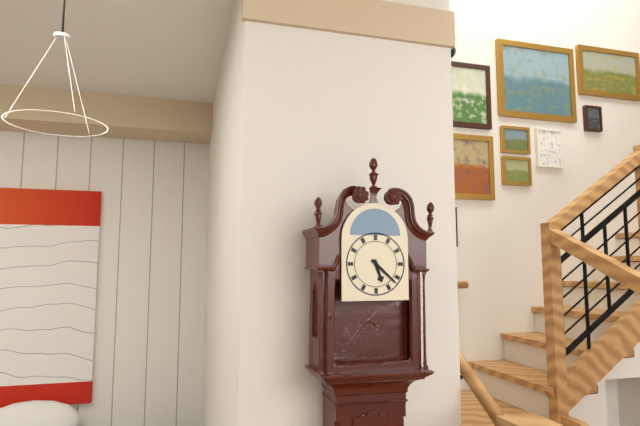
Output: 5h22
